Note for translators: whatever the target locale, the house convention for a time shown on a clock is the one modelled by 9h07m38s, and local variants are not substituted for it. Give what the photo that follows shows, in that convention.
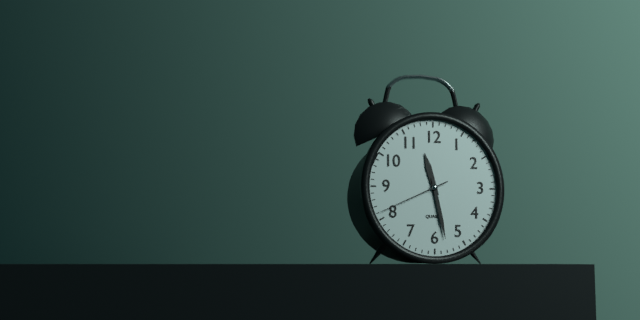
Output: 11h28m41s
